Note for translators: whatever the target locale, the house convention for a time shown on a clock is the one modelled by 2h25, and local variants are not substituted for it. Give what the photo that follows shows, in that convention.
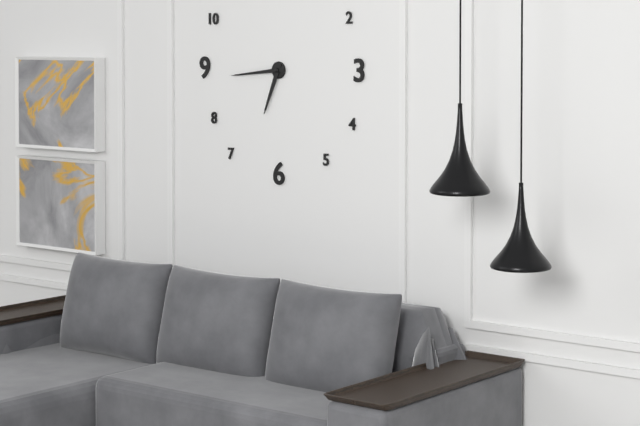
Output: 6h44
